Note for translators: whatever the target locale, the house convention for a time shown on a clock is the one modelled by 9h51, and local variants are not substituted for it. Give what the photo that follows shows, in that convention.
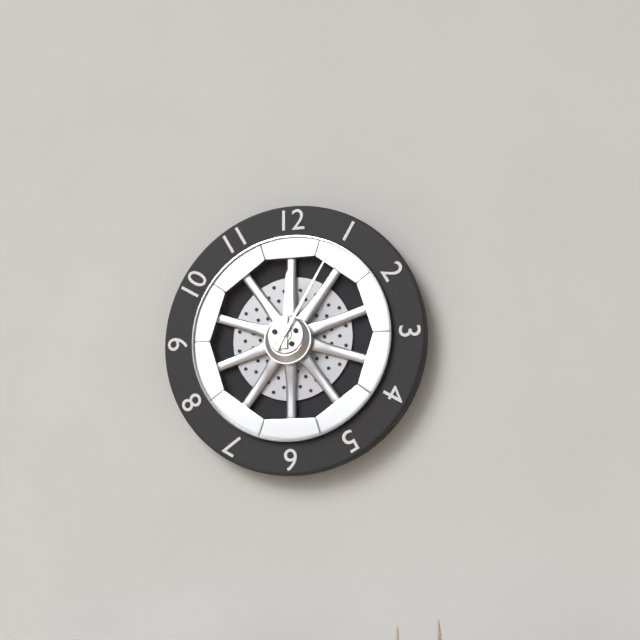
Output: 12h05
